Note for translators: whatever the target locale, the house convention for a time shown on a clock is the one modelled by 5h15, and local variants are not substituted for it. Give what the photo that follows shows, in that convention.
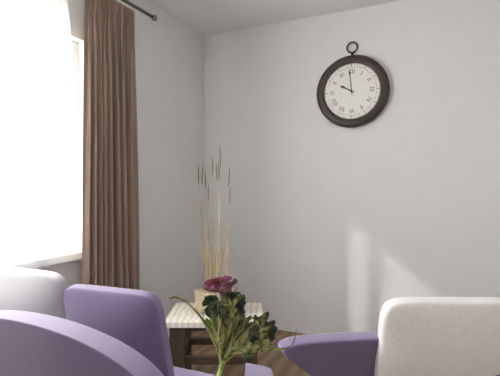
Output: 9h59
